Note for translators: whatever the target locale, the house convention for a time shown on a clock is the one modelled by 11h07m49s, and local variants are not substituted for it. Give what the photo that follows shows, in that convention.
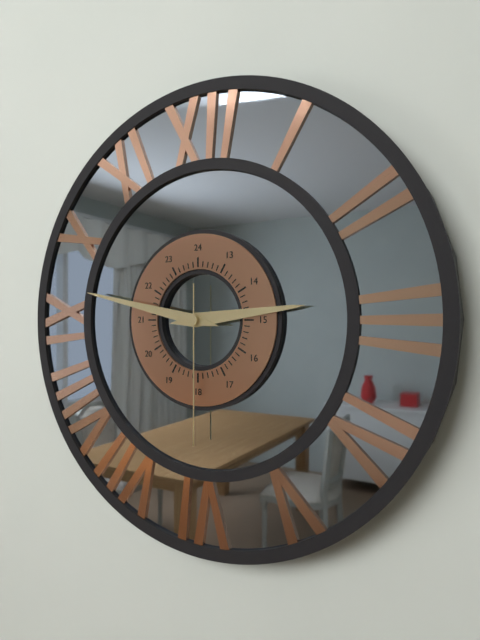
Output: 2h47m30s
